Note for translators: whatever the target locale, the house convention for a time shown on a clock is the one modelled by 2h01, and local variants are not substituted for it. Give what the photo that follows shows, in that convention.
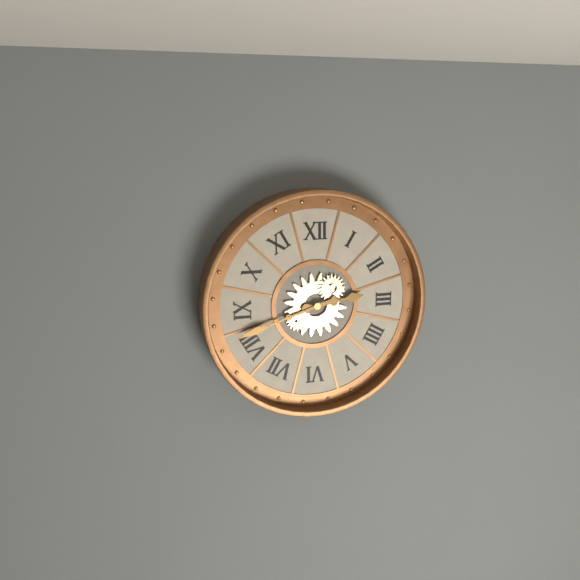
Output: 2h42
